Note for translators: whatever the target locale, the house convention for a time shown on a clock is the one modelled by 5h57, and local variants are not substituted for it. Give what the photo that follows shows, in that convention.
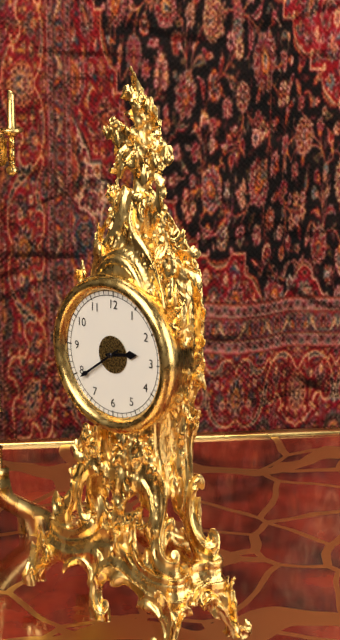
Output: 2h39
